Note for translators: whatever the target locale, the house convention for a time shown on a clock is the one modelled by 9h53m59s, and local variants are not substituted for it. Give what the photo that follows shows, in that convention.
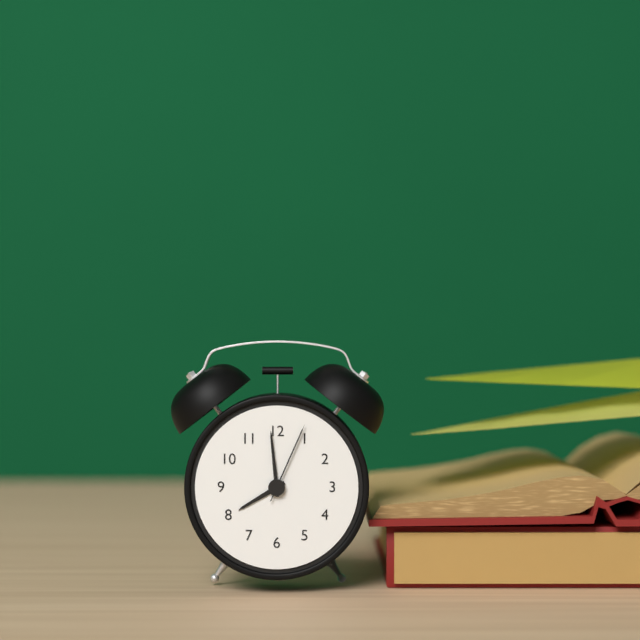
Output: 7h59m04s
